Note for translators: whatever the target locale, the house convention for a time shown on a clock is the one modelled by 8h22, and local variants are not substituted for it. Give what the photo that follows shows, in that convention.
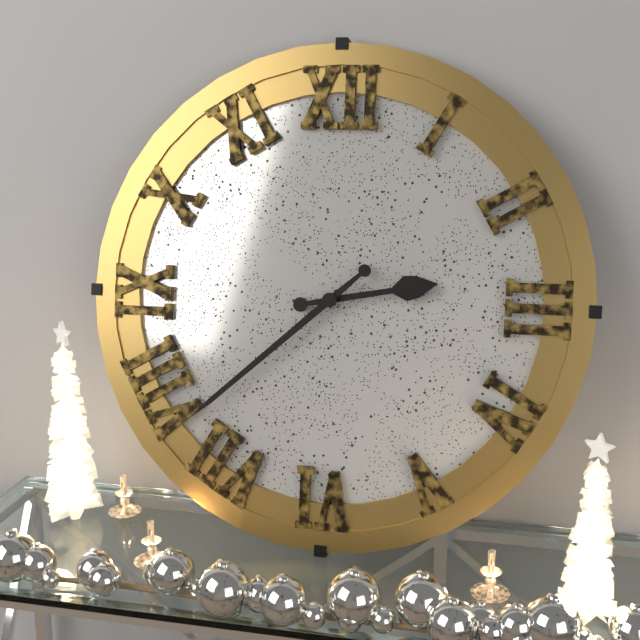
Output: 2h38
